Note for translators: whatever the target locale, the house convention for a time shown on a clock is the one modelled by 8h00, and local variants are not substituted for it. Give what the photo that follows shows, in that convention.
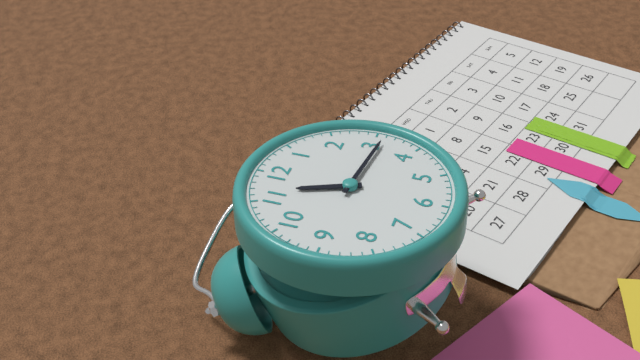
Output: 11h16
